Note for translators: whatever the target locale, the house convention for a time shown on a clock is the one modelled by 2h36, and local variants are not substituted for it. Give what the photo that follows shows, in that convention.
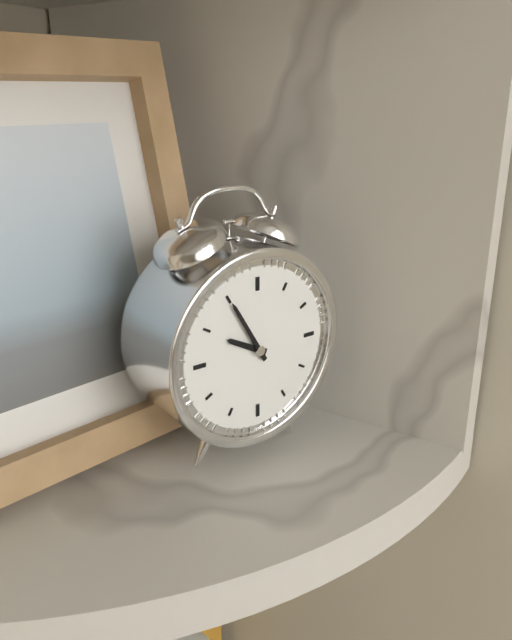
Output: 9h55
